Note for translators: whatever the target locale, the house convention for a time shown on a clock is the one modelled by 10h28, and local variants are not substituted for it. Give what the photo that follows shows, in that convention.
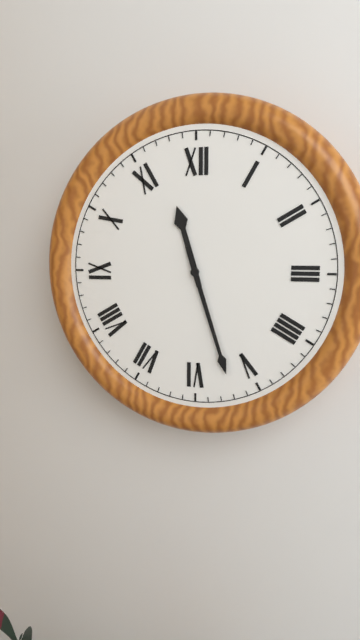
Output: 11h27
